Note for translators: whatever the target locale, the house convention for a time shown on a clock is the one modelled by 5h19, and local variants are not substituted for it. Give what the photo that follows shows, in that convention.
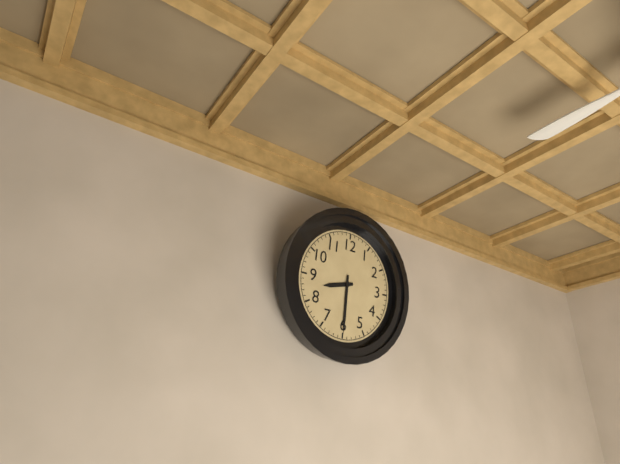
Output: 8h30
